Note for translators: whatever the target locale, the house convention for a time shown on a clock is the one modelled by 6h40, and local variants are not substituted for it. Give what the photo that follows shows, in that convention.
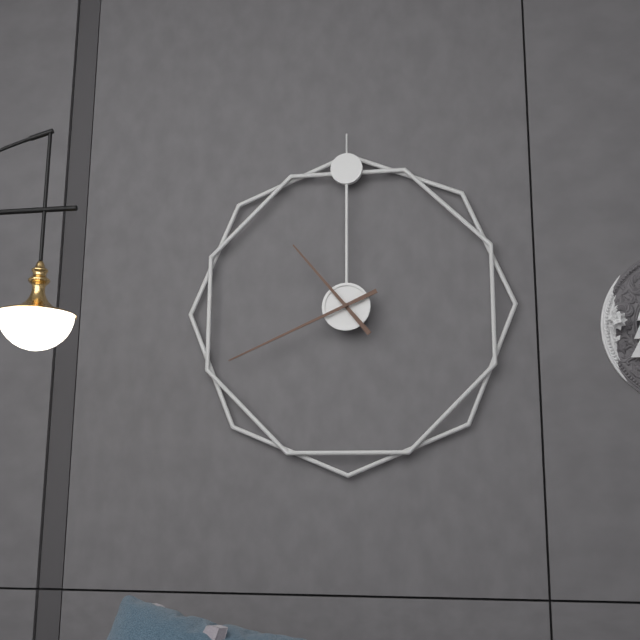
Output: 10h41
